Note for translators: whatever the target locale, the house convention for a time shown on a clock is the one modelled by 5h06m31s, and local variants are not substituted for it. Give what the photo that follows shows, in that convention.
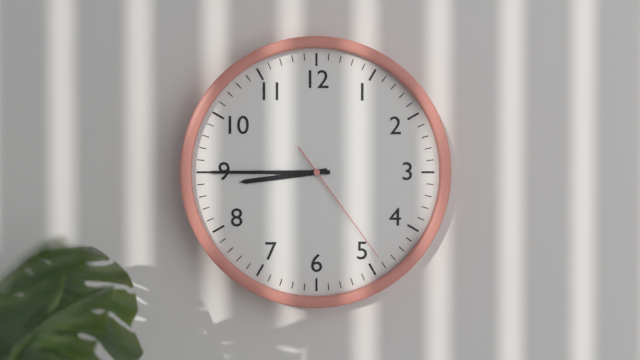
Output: 8h45m24s
